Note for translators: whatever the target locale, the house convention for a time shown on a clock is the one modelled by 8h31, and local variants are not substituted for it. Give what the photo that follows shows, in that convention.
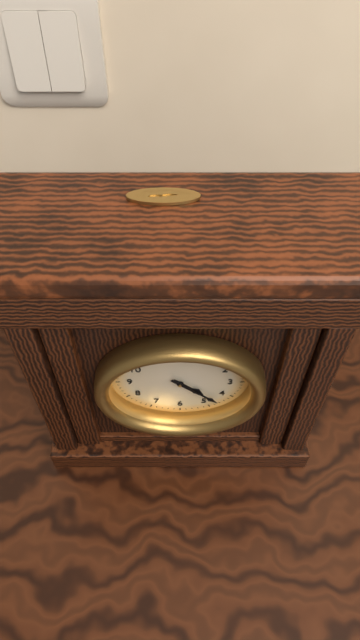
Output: 4h22
